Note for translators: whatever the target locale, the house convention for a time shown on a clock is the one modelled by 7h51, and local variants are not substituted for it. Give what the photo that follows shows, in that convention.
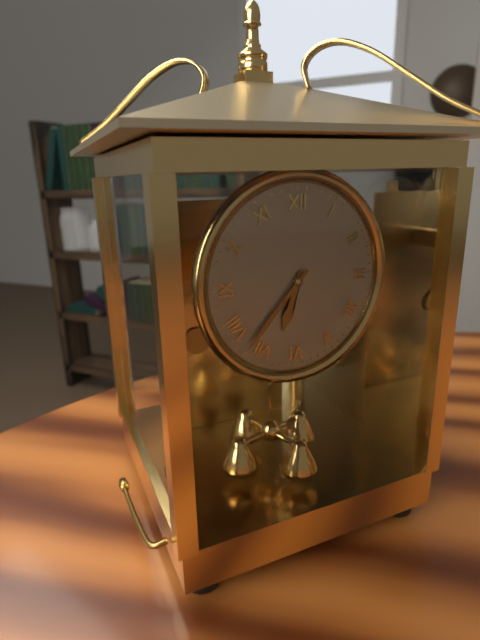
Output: 6h37
